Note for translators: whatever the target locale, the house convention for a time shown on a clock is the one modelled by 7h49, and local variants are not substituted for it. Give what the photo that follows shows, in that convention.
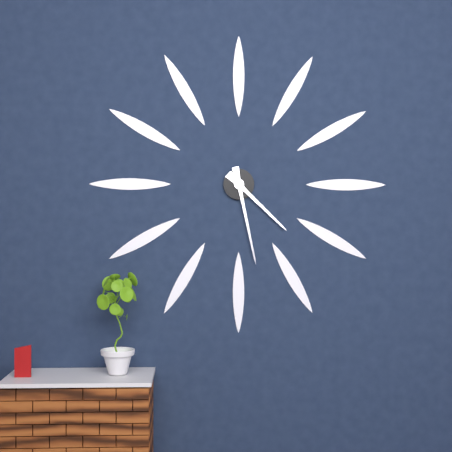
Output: 4h28
